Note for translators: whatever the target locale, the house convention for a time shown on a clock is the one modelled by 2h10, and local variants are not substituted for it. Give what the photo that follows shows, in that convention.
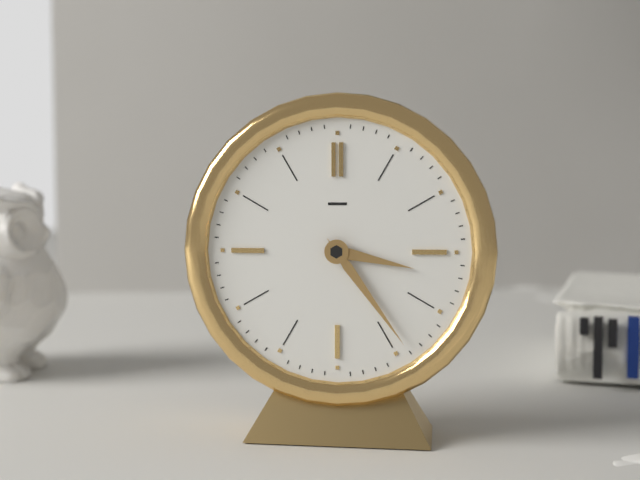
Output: 3h24
